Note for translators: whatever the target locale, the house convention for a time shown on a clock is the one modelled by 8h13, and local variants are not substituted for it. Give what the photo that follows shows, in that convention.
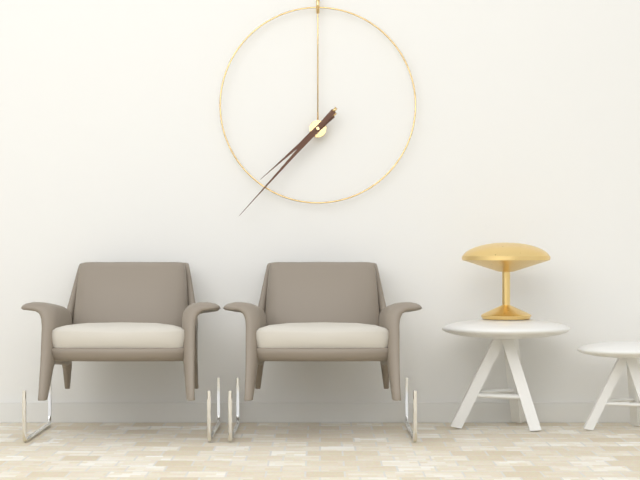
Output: 7h37
